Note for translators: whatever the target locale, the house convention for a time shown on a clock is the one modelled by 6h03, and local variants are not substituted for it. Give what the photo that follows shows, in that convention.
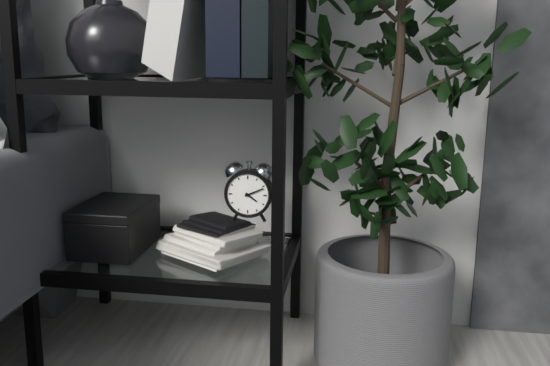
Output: 4h11
